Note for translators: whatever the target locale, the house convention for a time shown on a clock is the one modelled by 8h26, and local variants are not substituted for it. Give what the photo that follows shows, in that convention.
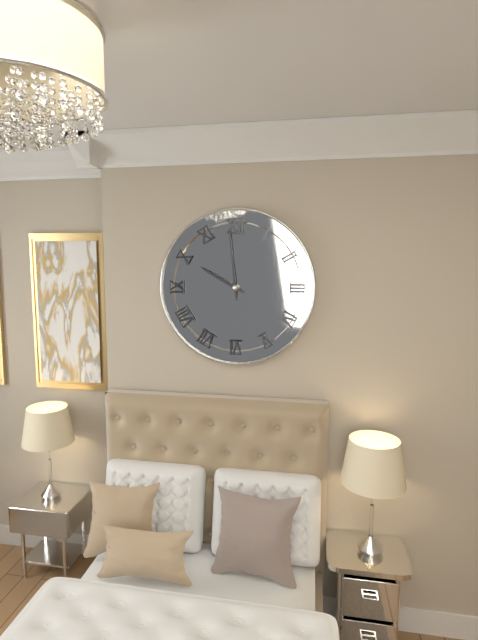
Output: 9h59
